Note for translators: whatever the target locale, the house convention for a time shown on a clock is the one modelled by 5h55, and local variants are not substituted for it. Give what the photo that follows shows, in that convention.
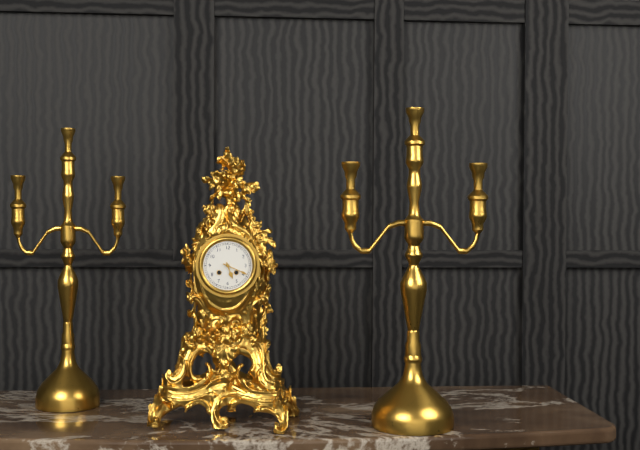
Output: 5h19
